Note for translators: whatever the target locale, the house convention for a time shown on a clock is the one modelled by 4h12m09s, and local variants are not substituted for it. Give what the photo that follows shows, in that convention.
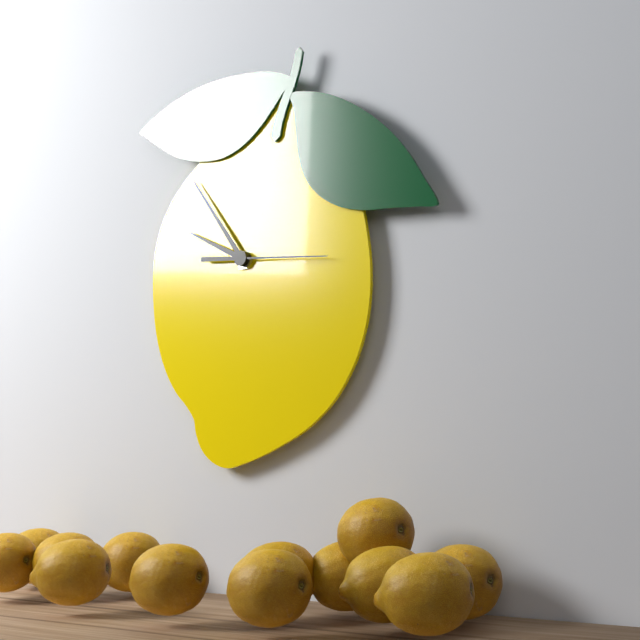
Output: 9h54m16s
